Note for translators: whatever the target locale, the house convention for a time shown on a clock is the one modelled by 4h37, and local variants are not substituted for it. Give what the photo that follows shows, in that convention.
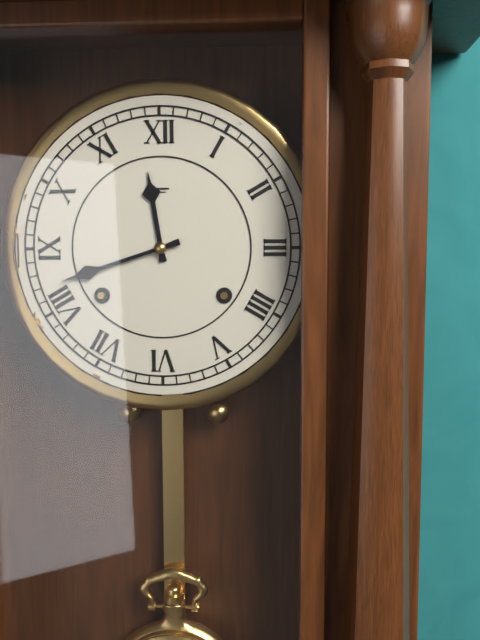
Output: 11h42
